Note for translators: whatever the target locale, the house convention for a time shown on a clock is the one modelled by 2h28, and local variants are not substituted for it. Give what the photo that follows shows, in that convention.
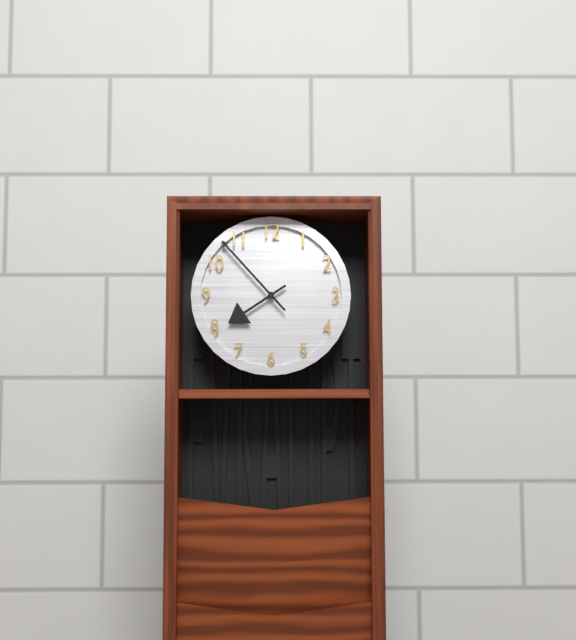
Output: 7h53
